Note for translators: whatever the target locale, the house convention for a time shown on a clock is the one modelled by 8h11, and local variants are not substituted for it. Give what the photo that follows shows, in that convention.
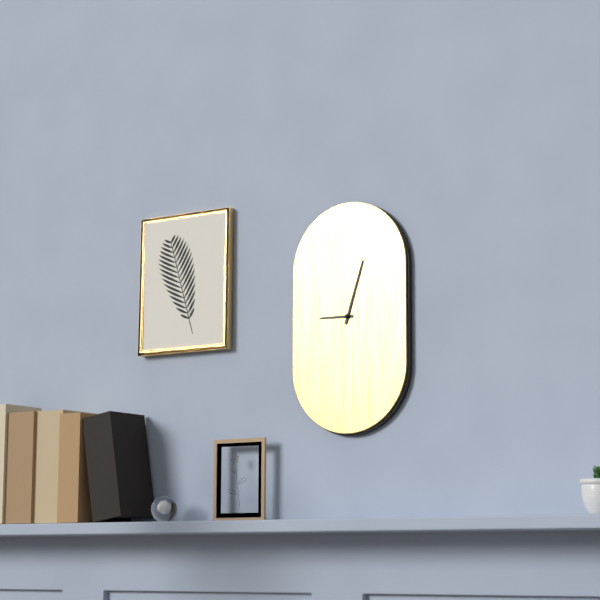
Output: 9h03
